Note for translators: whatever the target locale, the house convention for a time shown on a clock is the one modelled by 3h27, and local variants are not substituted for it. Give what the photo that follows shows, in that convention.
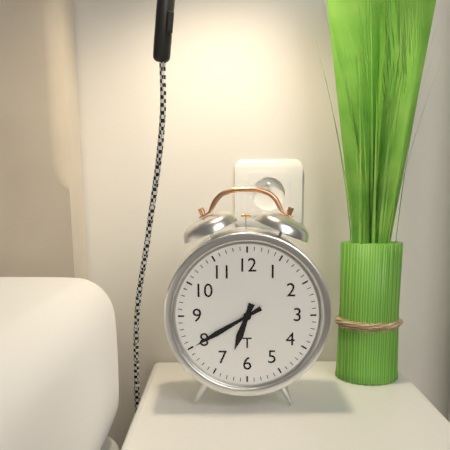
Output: 6h40
